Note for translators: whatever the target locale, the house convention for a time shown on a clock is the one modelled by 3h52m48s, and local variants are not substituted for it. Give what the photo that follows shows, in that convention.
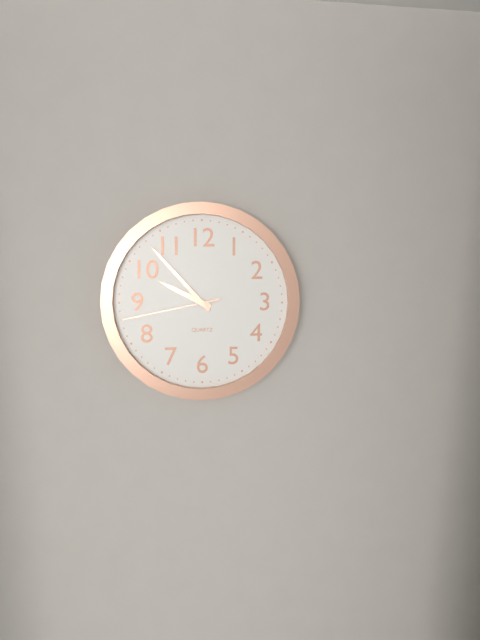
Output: 9h53m43s
